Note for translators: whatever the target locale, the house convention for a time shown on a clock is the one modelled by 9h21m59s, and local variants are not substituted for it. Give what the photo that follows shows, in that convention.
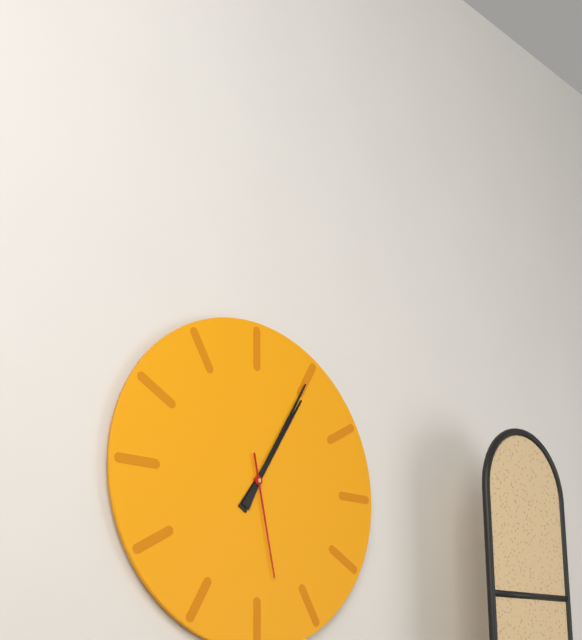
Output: 1h05m28s
